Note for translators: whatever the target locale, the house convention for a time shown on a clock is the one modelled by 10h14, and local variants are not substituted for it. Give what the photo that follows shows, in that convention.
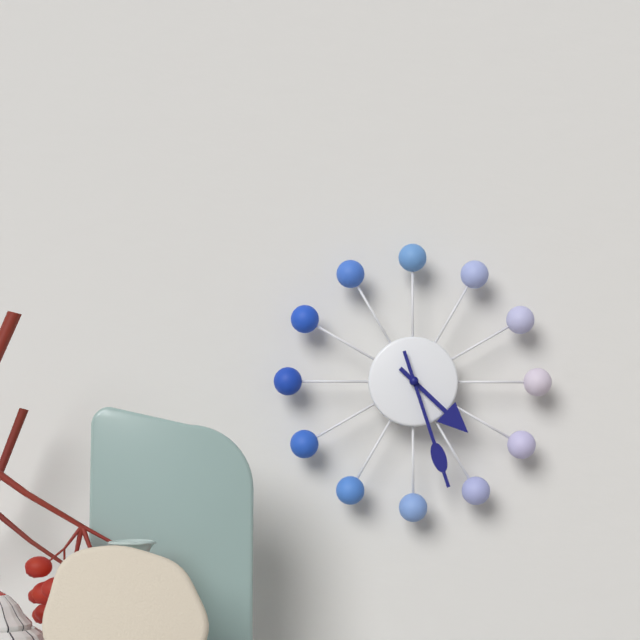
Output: 4h27
